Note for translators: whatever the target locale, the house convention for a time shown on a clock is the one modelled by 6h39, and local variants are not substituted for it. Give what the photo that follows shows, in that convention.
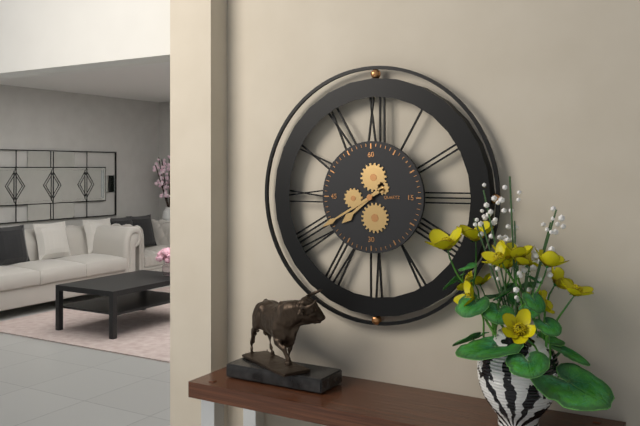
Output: 7h40
